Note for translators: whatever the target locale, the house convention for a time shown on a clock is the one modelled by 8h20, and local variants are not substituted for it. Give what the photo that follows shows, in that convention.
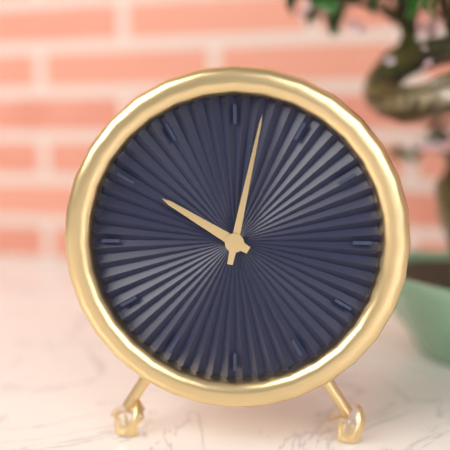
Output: 10h02
